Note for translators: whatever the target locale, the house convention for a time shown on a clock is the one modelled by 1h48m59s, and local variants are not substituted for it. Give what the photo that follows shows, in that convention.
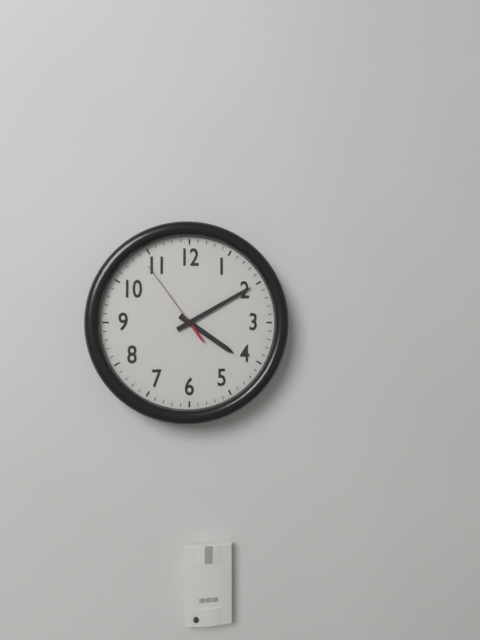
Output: 4h10m54s
